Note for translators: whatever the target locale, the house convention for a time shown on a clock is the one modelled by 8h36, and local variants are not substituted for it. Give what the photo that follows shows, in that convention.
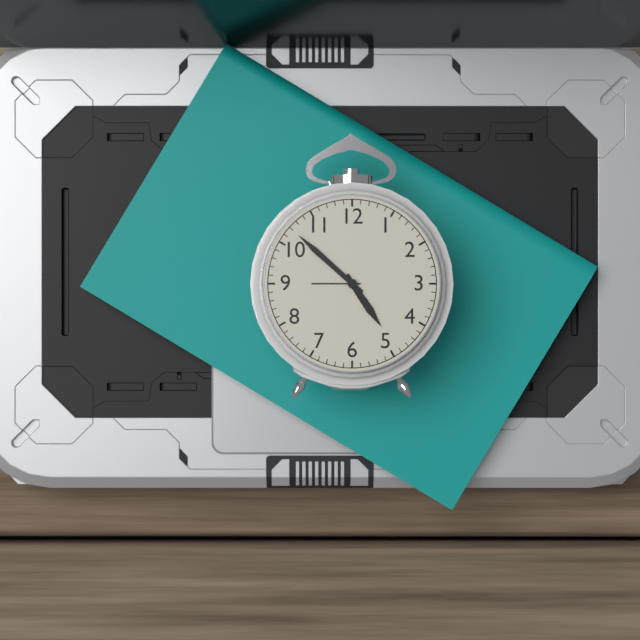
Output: 4h52
